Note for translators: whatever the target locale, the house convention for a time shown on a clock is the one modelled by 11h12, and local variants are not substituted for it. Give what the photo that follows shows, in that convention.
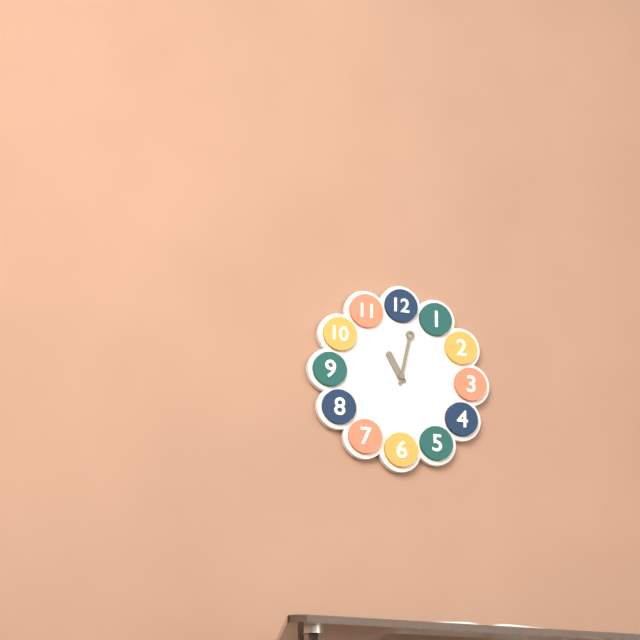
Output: 11h02
